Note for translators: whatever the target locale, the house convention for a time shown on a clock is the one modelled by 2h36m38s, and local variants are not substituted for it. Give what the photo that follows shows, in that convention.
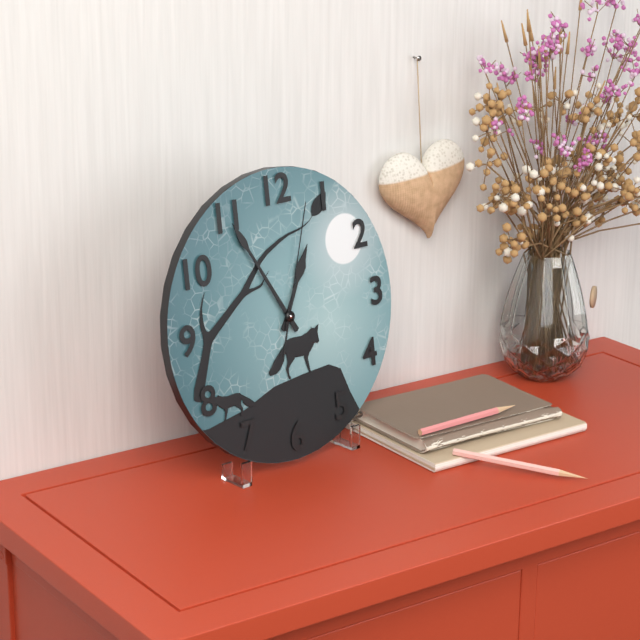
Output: 12h55m03s
